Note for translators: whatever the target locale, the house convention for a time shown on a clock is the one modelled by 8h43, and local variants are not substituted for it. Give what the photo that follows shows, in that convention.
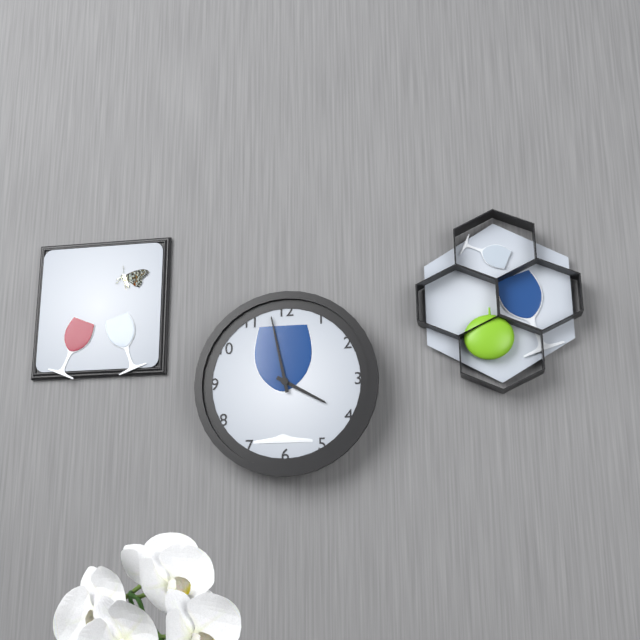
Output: 3h58
